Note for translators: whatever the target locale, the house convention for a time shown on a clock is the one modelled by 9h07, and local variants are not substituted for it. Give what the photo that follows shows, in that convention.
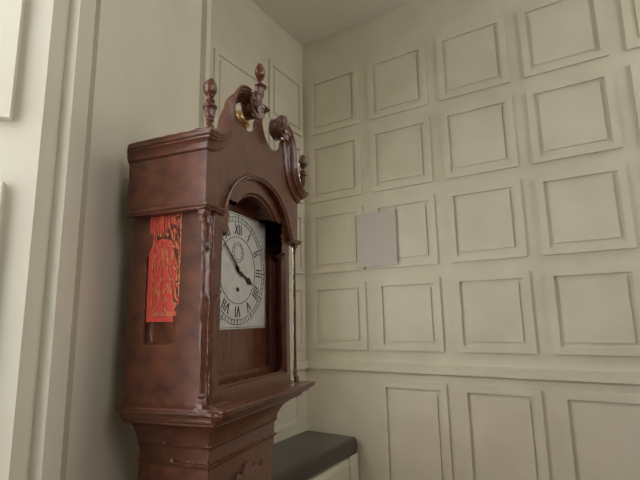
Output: 3h52
